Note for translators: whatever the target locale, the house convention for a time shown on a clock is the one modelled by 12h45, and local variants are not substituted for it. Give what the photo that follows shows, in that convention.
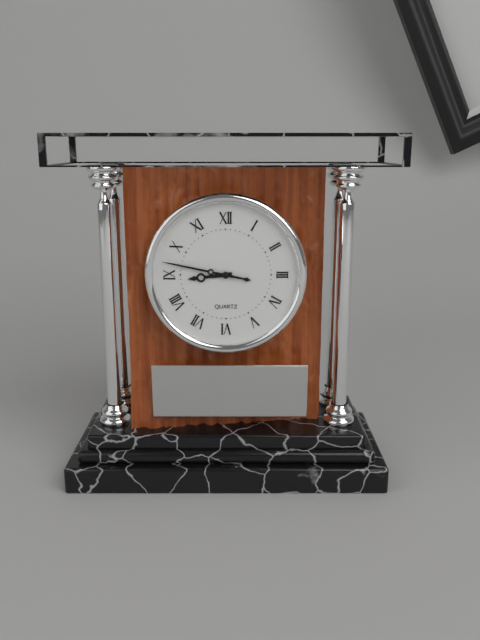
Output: 8h47
